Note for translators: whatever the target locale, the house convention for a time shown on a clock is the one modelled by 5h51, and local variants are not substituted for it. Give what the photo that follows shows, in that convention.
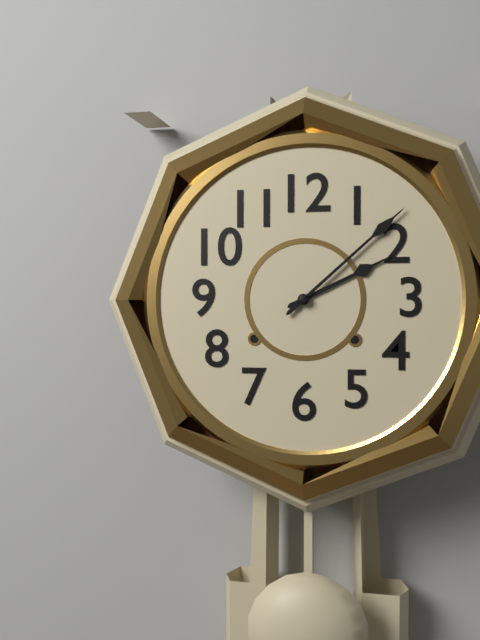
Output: 2h08
